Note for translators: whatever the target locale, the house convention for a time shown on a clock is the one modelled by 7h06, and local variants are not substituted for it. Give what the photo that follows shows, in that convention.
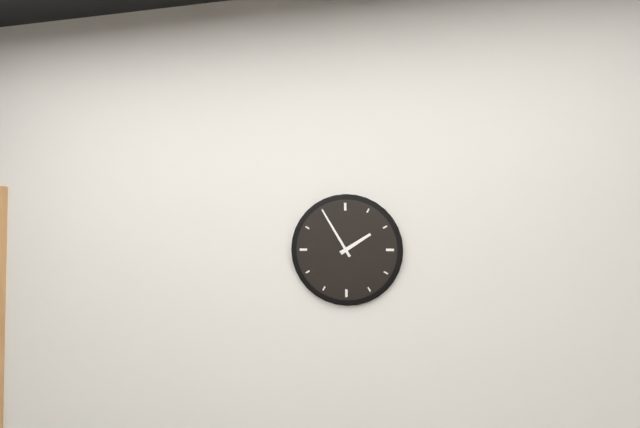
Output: 1h55
